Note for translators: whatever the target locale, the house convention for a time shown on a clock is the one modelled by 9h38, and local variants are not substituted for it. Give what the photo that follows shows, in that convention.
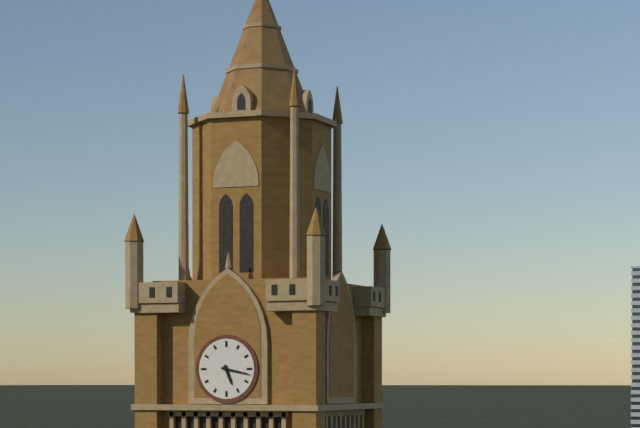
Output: 5h17
